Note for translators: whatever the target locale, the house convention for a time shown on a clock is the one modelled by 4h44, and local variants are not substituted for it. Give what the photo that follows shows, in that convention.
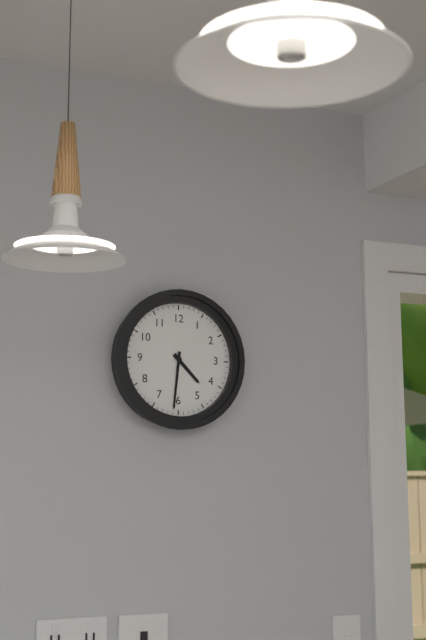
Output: 4h31
